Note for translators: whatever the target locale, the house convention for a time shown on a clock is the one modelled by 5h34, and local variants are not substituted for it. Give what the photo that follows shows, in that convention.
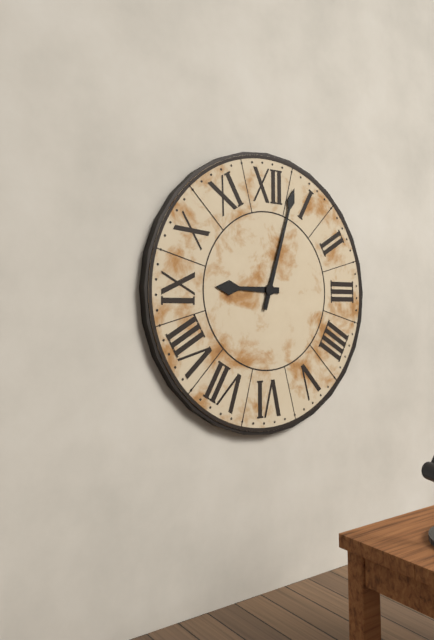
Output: 9h03
